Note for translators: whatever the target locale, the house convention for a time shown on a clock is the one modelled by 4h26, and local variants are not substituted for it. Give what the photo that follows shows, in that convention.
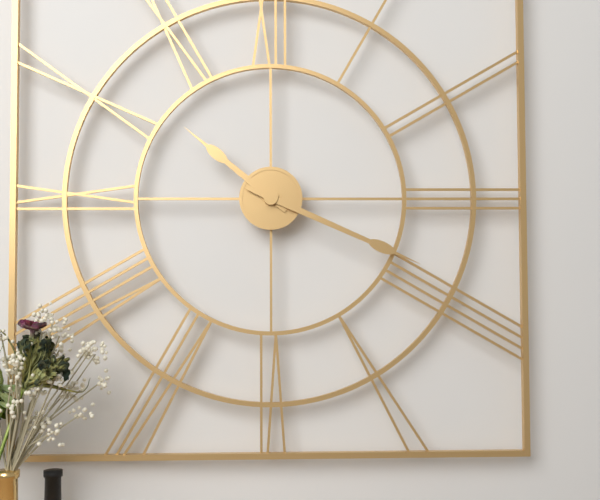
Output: 10h19
